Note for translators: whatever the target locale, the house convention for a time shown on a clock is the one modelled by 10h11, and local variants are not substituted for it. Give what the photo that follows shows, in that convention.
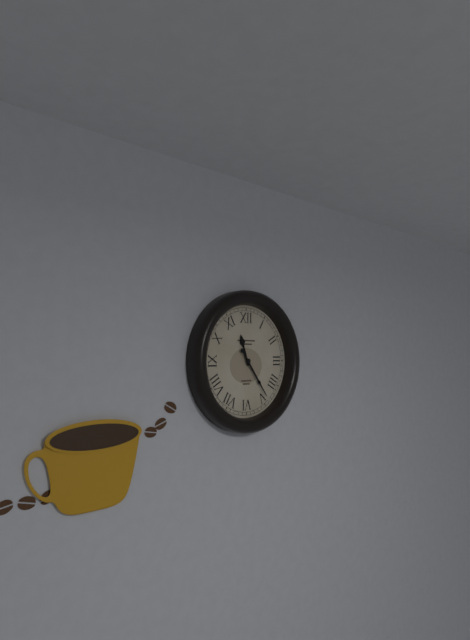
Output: 11h24
